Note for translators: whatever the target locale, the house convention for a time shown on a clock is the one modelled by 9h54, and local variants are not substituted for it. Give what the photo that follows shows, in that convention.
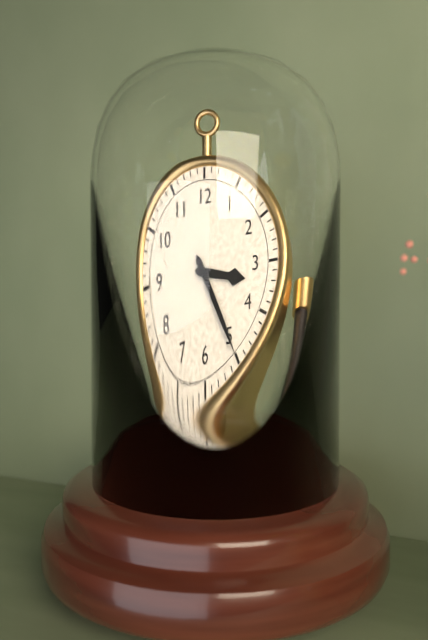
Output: 3h25
